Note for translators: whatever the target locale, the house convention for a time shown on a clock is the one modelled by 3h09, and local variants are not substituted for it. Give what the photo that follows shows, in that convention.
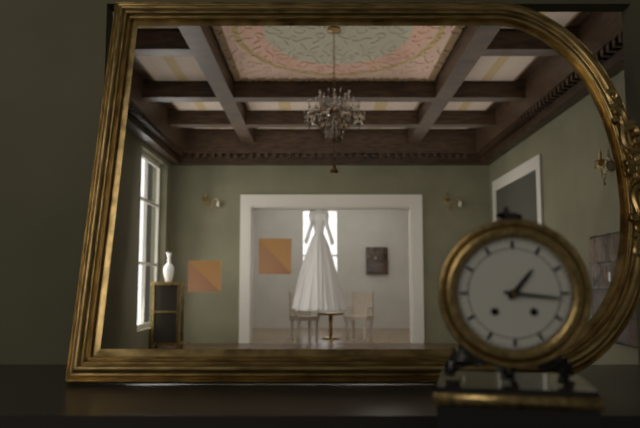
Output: 1h16
